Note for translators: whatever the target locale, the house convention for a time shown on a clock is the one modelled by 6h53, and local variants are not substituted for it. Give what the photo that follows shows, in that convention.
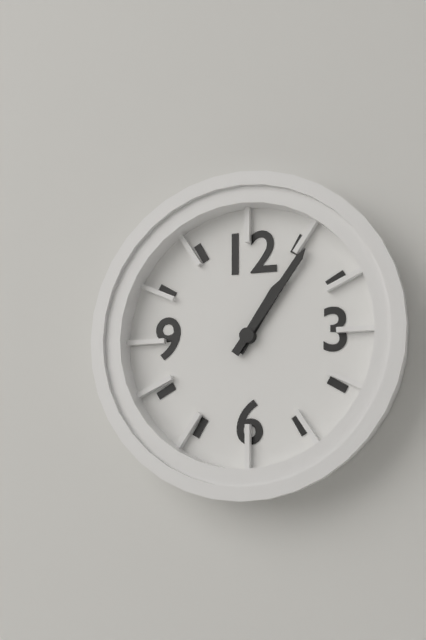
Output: 1h06
